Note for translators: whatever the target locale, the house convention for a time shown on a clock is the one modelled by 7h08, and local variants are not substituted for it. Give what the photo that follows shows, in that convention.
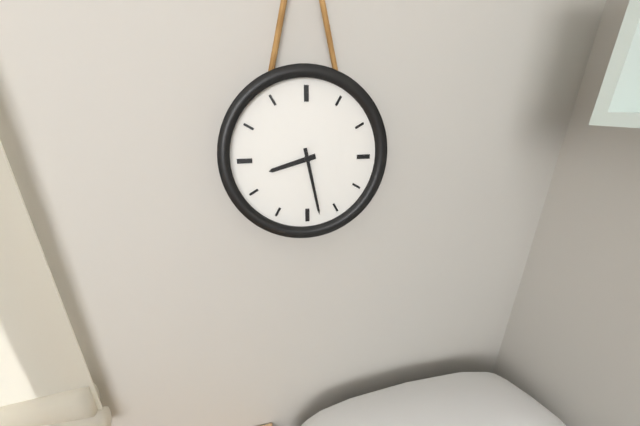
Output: 8h28
